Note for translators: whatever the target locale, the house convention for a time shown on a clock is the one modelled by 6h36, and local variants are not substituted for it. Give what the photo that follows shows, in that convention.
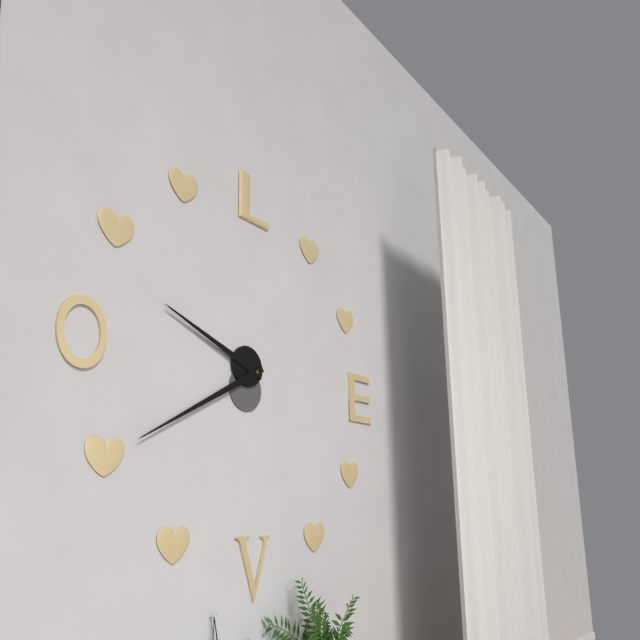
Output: 9h40
